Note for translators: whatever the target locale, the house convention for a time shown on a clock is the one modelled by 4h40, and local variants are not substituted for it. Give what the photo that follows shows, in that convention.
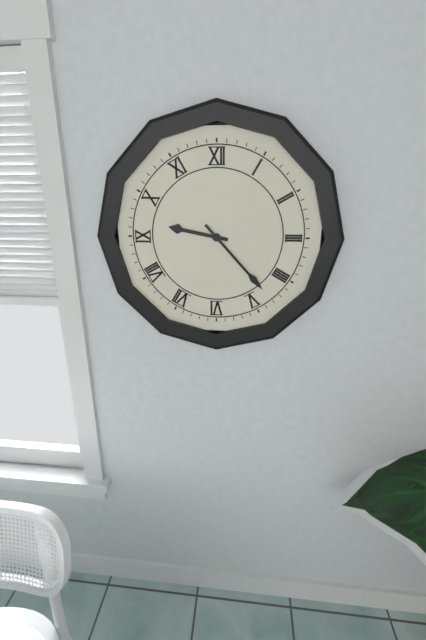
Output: 9h23
